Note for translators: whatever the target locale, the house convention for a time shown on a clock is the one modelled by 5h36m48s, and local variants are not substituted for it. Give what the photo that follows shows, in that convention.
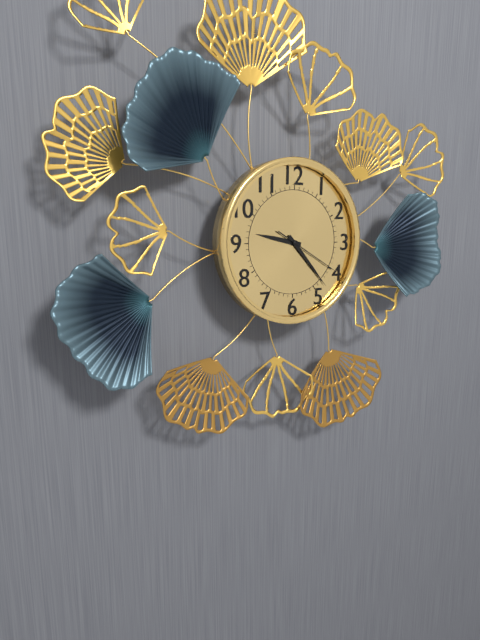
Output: 9h23m20s
